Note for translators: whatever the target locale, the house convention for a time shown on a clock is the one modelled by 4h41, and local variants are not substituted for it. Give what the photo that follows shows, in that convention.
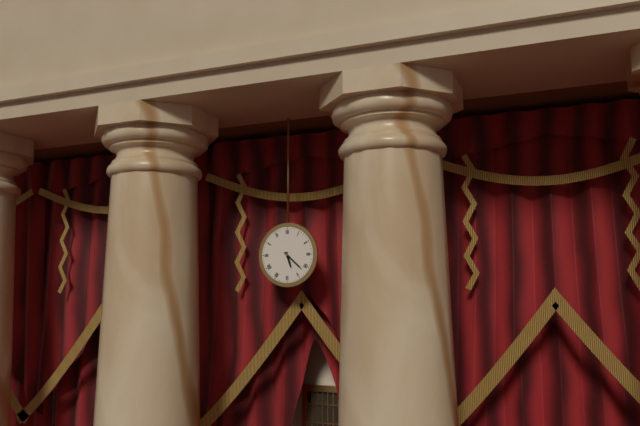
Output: 5h22
